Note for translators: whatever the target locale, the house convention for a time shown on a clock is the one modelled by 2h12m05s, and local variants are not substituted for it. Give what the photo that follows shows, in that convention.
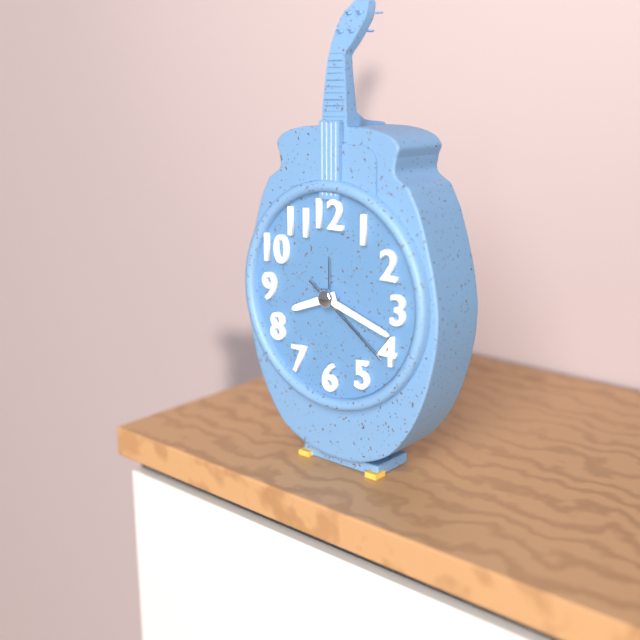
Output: 8h18m21s
